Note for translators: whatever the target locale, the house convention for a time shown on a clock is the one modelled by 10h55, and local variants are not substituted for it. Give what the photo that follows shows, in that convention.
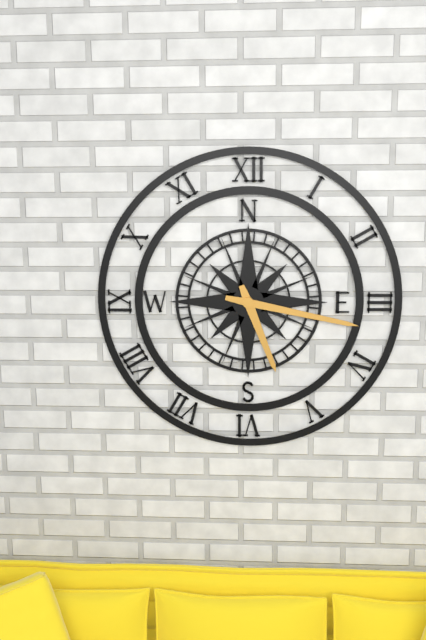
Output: 5h17
